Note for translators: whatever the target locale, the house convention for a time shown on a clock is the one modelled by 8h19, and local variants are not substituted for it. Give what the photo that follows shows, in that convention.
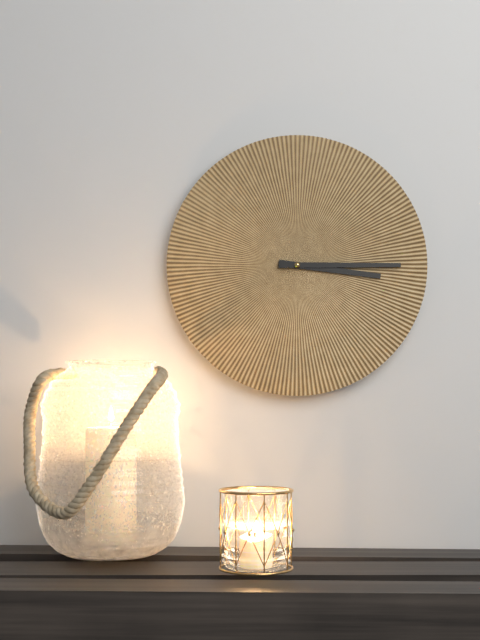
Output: 3h15
